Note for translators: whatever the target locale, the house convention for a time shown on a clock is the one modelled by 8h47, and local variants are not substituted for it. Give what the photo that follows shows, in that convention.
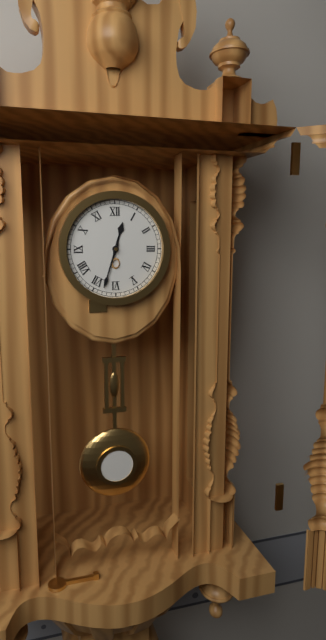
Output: 12h33
